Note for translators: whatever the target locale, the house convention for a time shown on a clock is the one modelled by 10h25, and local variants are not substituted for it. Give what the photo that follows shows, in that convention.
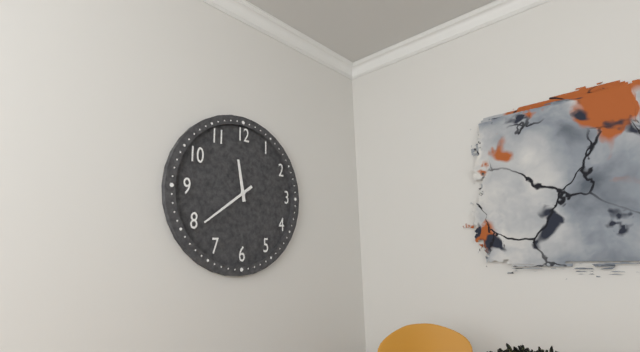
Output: 11h39
